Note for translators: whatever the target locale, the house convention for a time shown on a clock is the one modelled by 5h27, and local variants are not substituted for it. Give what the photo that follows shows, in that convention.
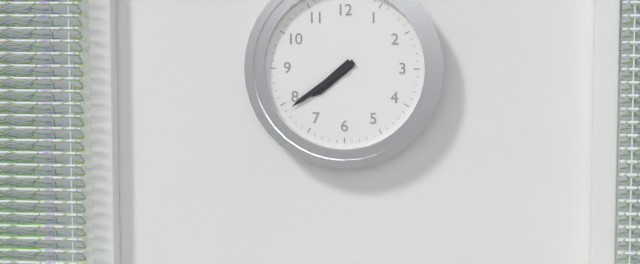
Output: 7h39
